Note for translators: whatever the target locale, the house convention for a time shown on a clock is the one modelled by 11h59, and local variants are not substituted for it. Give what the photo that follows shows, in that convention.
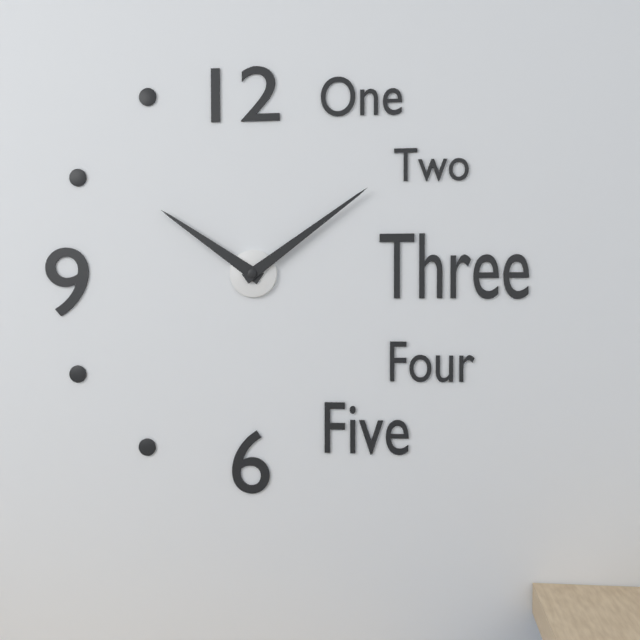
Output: 10h09
